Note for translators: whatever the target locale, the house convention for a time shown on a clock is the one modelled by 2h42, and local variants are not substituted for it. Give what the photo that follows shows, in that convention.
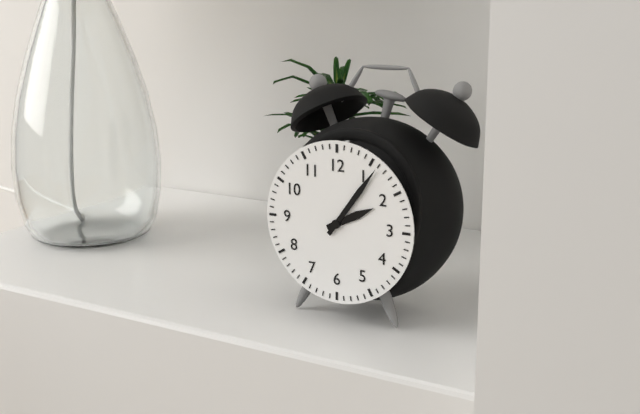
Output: 2h06
